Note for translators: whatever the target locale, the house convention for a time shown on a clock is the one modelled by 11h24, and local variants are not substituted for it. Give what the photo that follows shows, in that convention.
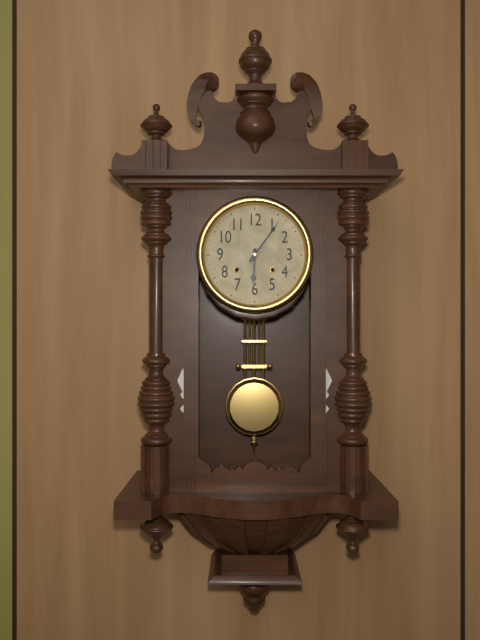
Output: 6h06
